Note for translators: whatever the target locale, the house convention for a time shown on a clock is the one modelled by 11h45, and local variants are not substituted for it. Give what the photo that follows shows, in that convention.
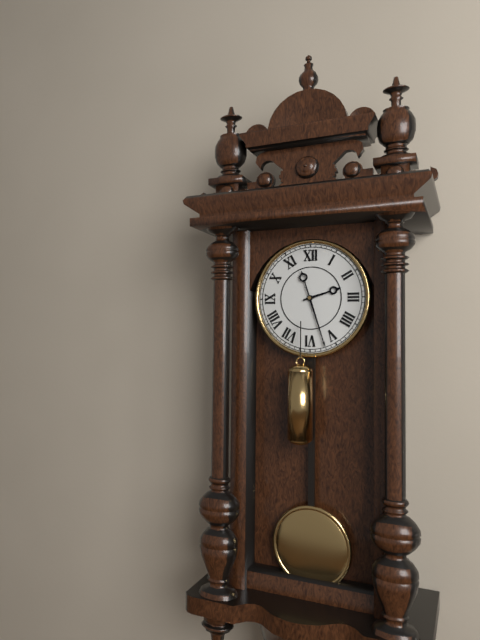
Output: 2h27
